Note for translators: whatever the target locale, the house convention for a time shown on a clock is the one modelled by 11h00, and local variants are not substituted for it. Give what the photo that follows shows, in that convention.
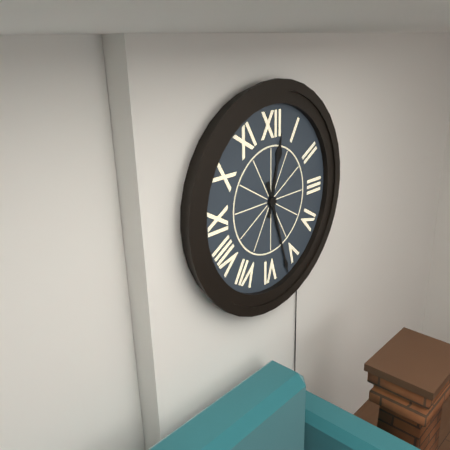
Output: 12h27
